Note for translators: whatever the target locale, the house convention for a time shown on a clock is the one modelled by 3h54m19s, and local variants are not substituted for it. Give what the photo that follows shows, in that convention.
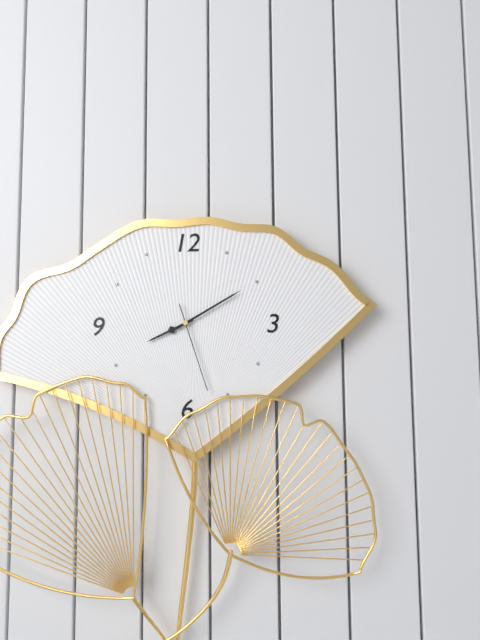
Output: 8h10m27s
